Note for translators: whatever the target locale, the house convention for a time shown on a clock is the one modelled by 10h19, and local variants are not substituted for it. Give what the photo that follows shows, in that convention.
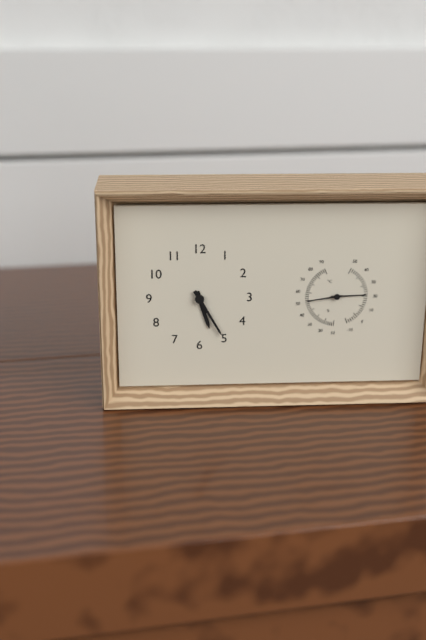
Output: 5h25
